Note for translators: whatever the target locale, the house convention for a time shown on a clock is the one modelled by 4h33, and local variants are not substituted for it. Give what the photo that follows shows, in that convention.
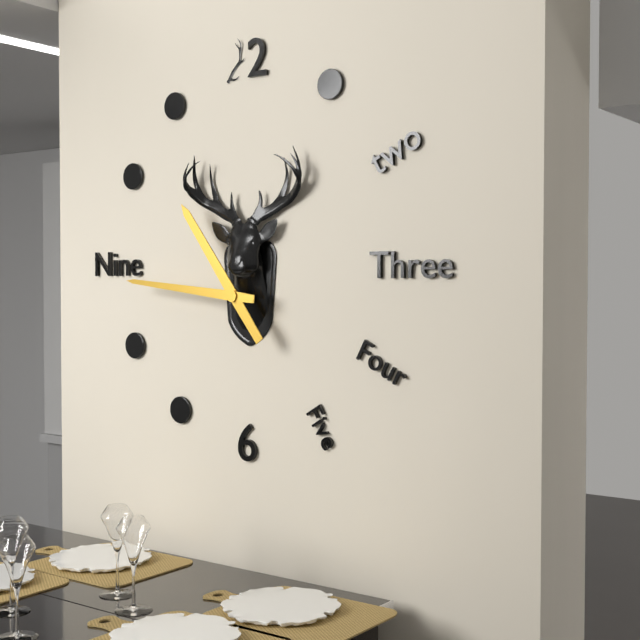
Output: 10h46
